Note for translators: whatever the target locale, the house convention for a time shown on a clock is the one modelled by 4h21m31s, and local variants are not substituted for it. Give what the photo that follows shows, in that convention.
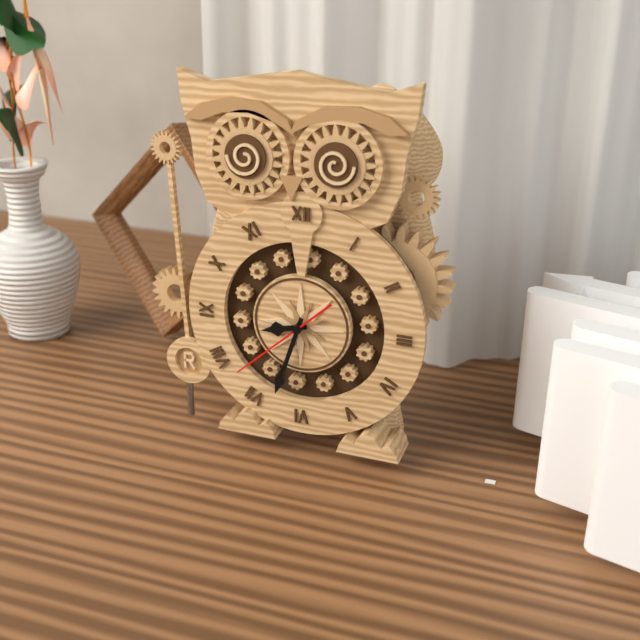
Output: 8h33m38s
